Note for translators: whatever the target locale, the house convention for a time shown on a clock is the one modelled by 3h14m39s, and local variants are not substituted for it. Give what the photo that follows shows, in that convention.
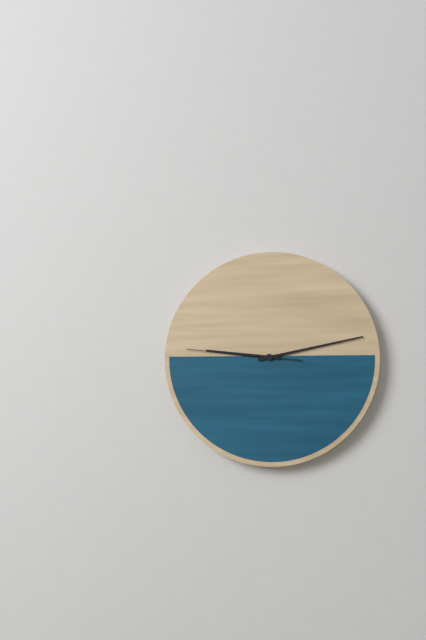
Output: 9h13m46s
